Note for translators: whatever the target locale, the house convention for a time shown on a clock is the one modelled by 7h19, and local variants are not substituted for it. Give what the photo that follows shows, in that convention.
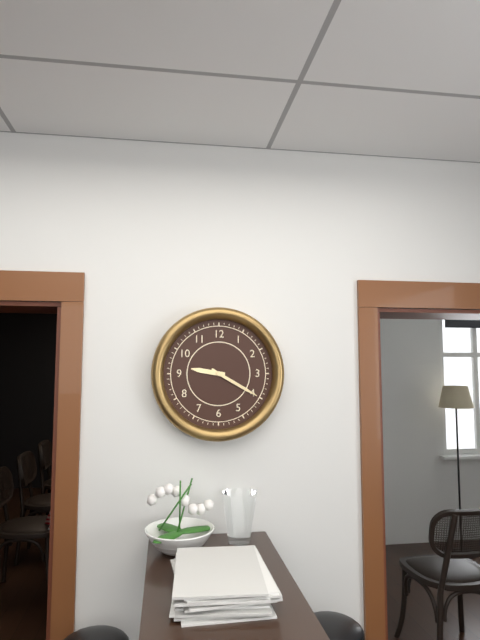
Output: 9h20
